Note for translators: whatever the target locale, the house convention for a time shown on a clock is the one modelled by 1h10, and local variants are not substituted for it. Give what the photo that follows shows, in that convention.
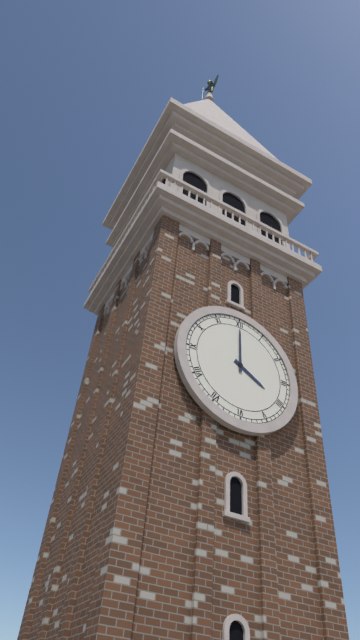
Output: 4h00
